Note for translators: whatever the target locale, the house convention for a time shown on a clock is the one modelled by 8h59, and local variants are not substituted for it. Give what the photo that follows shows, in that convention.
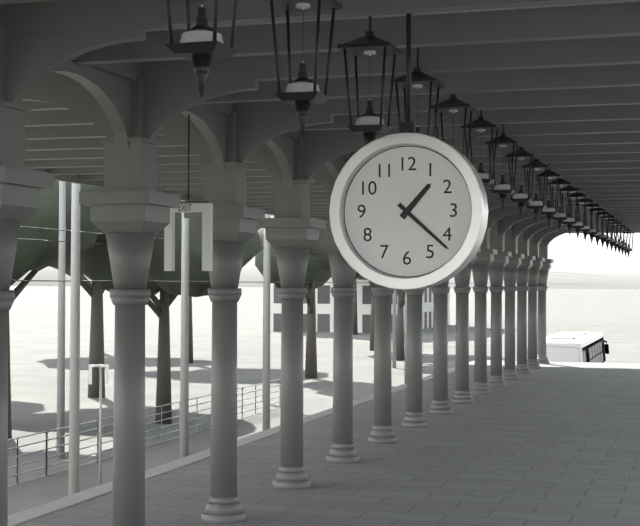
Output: 1h22
